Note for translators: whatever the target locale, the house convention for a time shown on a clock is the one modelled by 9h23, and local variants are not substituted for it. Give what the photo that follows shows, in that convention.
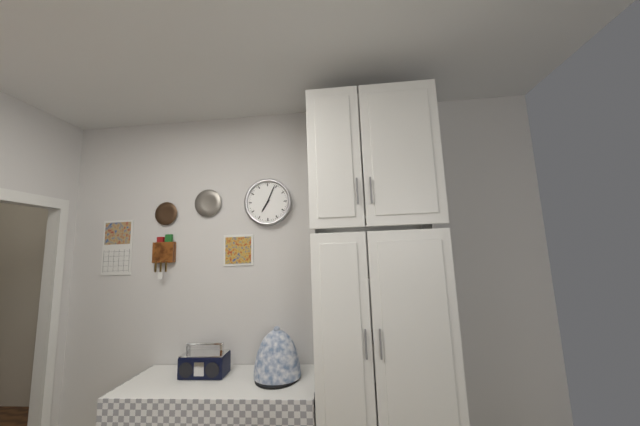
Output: 7h04
